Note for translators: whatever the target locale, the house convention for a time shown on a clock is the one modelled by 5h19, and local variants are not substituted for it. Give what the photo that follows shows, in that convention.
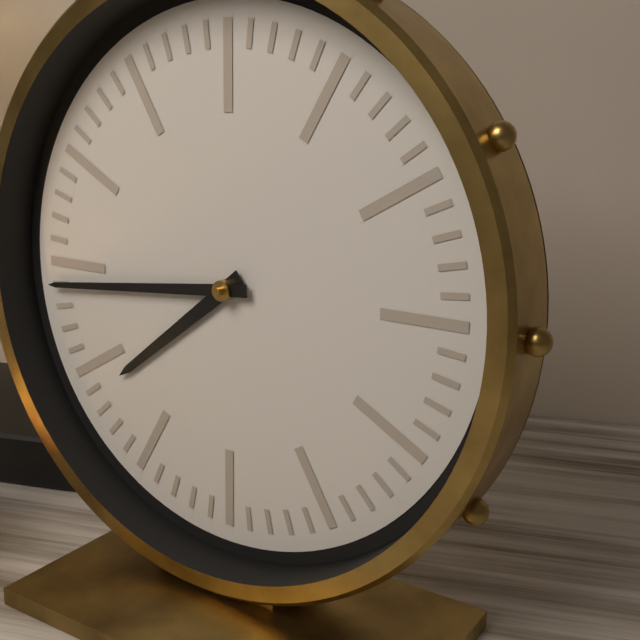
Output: 7h44
